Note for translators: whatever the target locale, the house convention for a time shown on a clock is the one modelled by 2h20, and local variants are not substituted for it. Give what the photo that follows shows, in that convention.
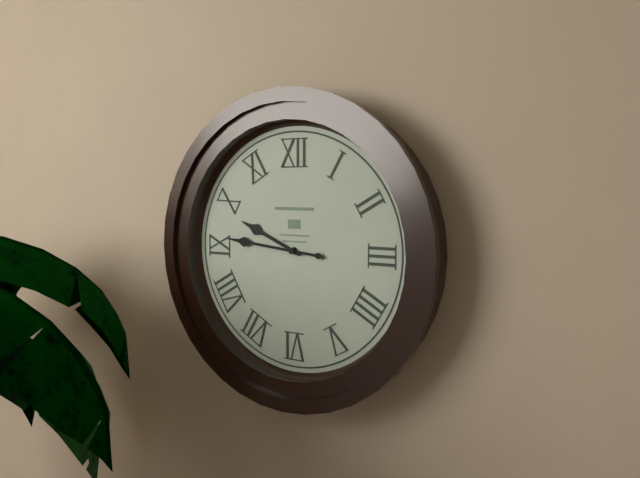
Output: 9h46
